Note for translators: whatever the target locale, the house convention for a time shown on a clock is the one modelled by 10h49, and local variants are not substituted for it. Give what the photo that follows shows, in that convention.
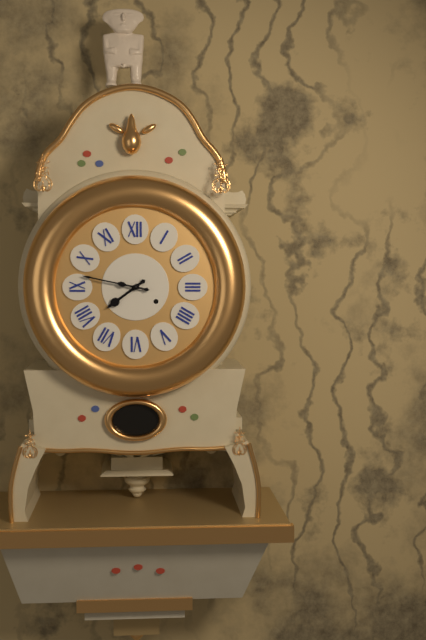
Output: 7h47
